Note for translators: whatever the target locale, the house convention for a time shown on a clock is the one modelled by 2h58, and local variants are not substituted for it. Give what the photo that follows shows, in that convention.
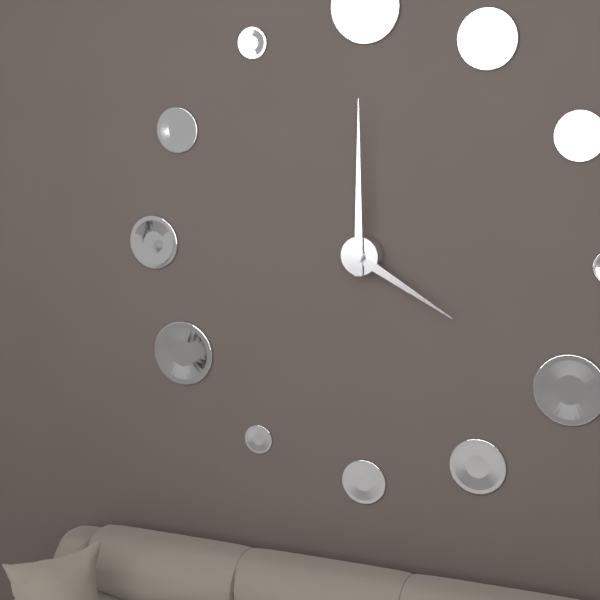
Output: 4h00
